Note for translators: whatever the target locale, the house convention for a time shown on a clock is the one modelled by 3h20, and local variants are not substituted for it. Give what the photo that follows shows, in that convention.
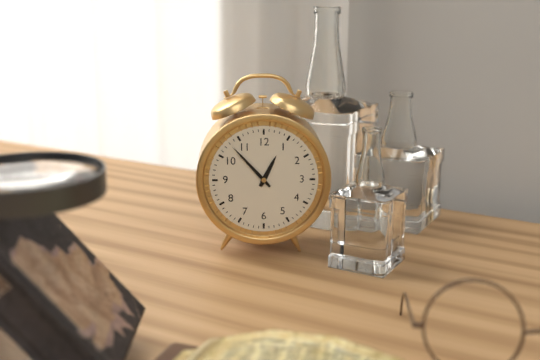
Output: 12h53
